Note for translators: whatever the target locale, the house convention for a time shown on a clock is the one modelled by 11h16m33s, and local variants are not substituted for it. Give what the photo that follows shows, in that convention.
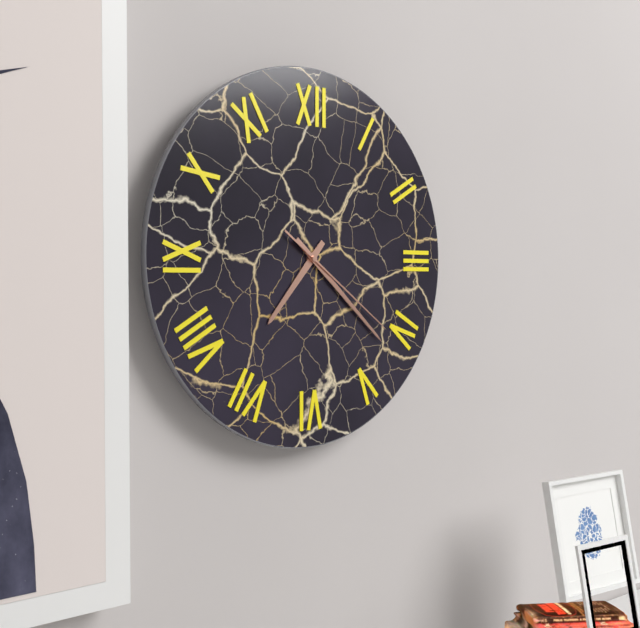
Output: 7h22m21s
